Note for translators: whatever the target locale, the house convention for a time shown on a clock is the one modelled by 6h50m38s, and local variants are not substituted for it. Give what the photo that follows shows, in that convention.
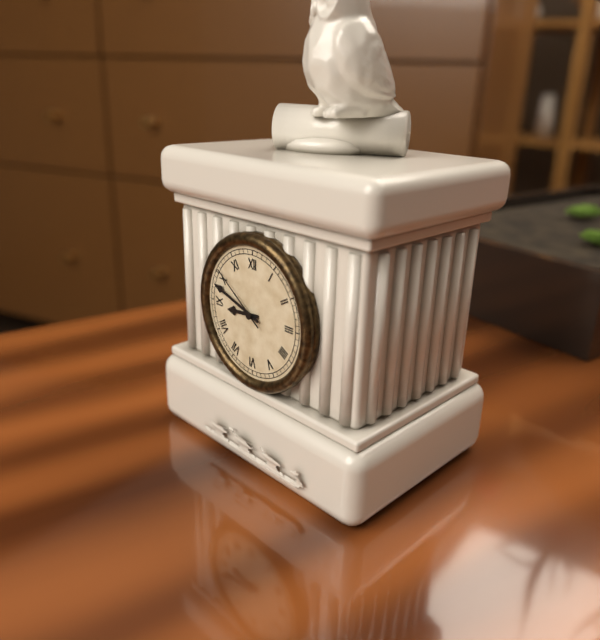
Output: 8h48m51s
